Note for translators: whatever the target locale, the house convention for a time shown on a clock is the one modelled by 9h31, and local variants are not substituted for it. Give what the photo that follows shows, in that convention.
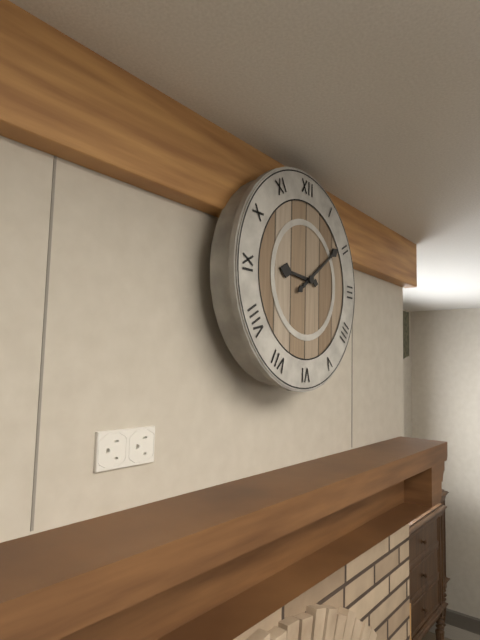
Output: 9h09
